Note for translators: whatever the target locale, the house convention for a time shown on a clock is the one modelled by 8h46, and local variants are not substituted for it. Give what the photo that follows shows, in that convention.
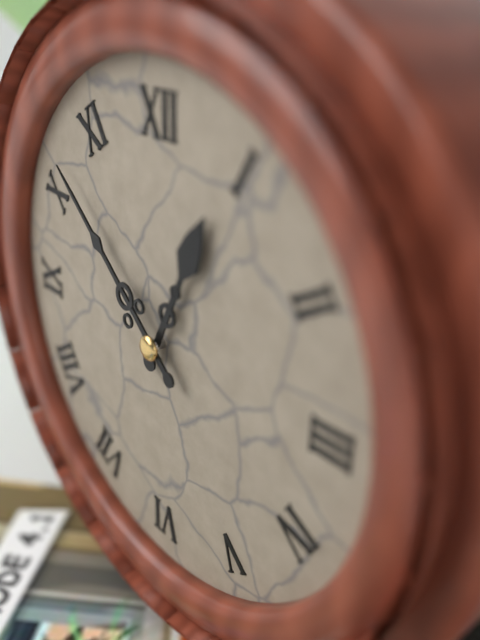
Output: 12h52
